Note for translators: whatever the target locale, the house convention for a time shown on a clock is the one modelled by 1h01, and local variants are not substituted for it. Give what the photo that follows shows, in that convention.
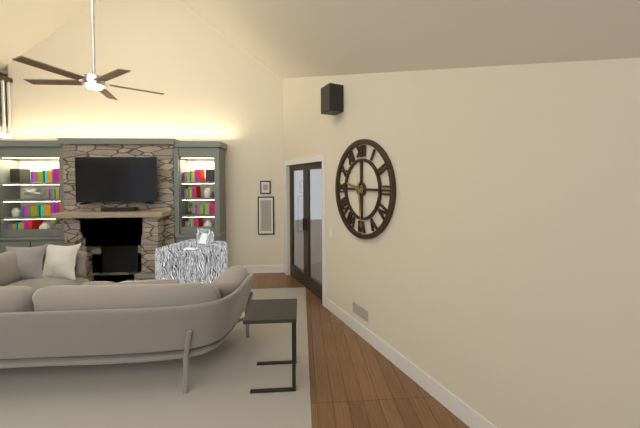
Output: 9h29
